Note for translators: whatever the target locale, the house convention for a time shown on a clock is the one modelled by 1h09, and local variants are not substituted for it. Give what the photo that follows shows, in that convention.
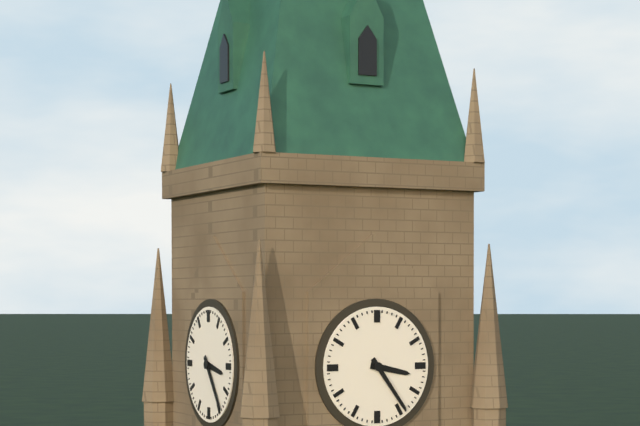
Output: 3h24
